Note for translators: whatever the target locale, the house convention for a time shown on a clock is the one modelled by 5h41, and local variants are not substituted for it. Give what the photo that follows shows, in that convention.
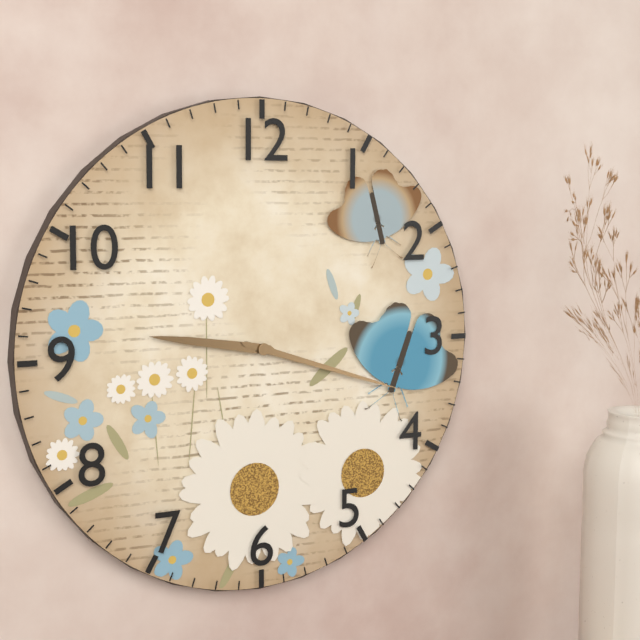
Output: 9h18
